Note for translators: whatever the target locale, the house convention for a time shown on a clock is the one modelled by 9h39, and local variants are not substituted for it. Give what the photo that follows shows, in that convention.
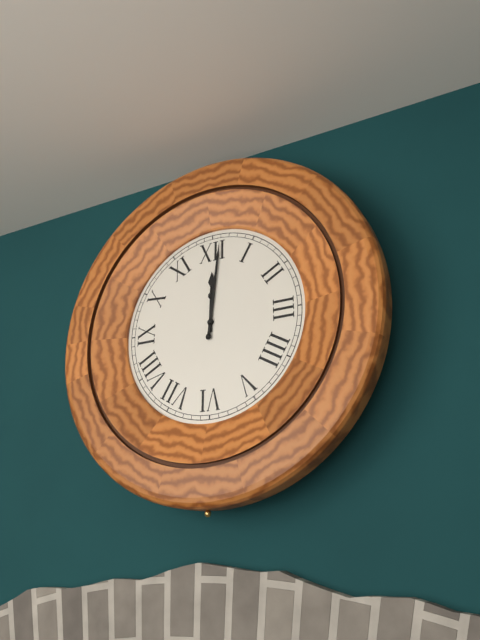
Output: 12h01
